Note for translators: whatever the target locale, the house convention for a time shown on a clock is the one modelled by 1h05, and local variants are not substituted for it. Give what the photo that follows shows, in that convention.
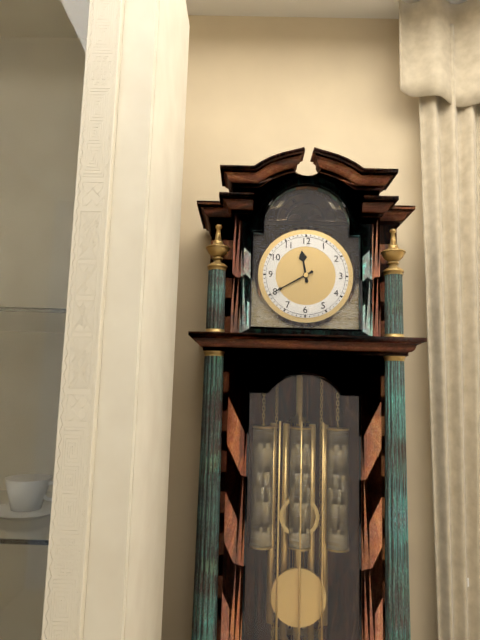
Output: 11h40
